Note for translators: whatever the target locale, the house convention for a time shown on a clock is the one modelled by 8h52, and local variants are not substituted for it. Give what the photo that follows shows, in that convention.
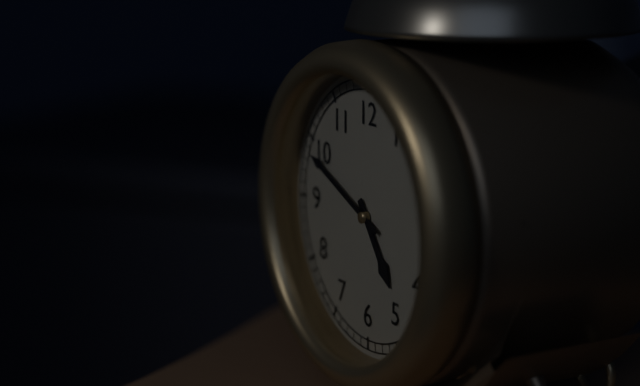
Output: 4h49
